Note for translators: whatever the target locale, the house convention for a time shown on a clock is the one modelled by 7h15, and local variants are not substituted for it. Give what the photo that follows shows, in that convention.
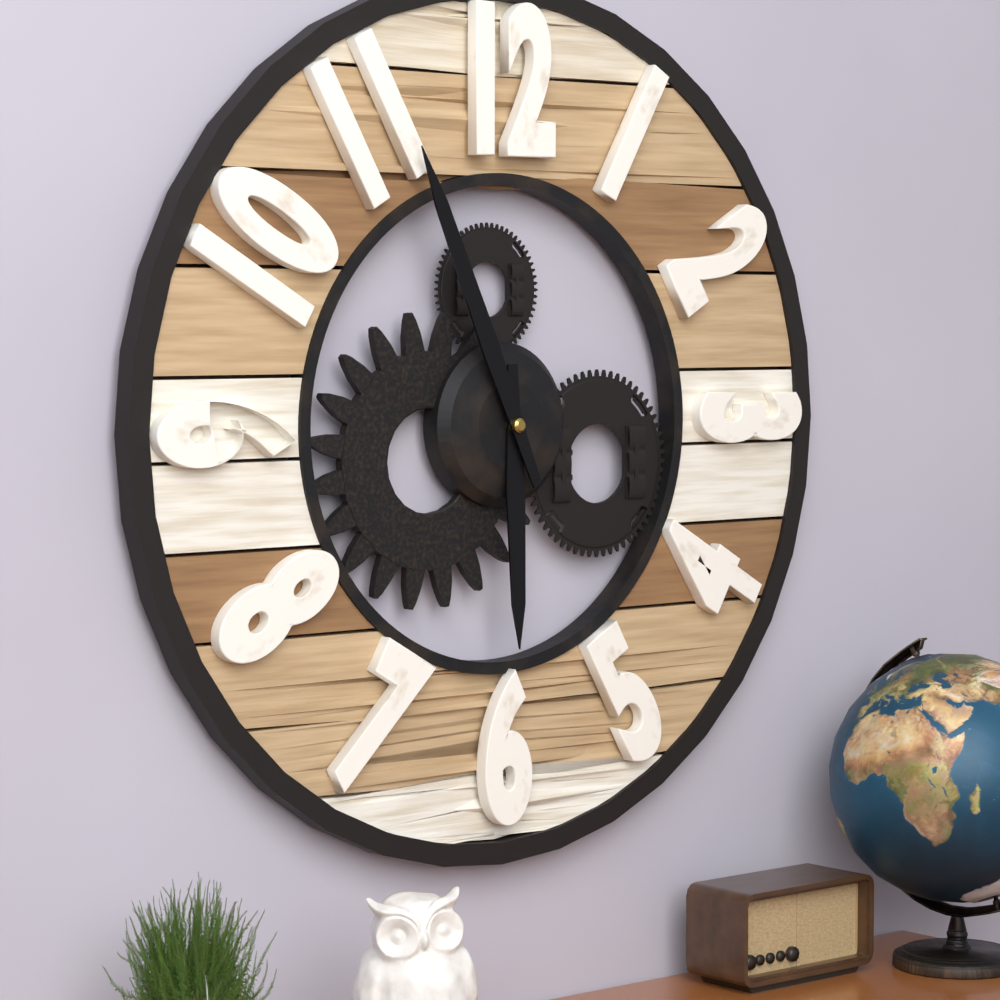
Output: 5h56
